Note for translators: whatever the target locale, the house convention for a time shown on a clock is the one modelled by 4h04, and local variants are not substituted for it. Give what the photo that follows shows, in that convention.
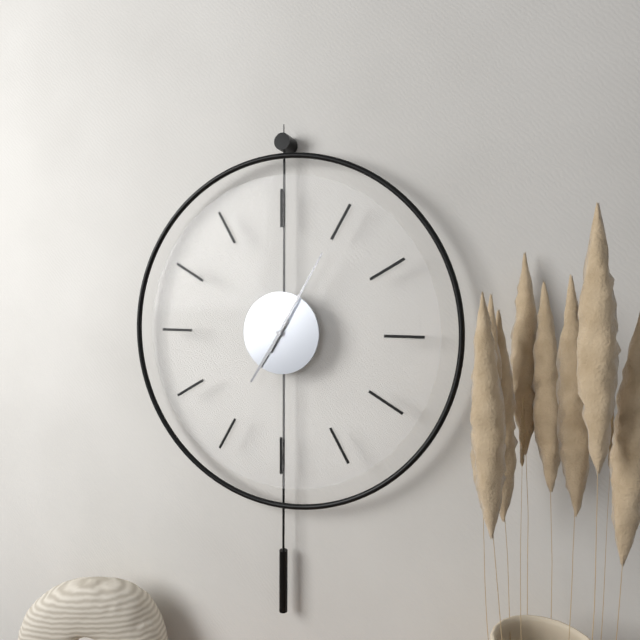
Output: 7h05
